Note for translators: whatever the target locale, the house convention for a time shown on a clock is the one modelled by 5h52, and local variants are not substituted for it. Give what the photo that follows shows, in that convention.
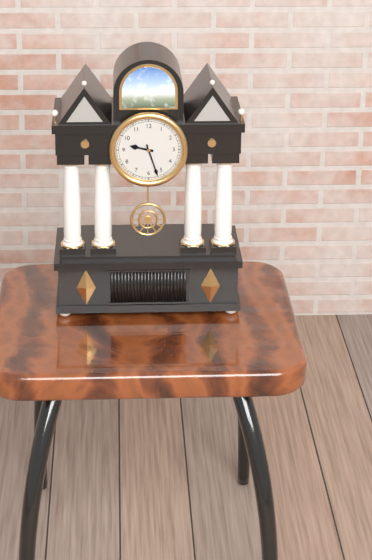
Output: 9h27
